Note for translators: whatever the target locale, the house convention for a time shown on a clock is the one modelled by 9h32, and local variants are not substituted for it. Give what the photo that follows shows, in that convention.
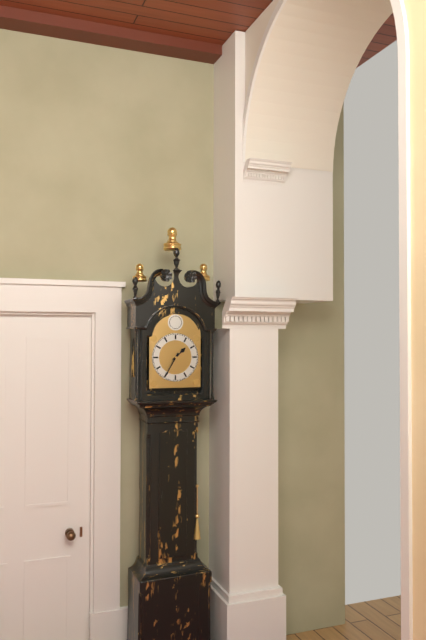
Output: 1h35
